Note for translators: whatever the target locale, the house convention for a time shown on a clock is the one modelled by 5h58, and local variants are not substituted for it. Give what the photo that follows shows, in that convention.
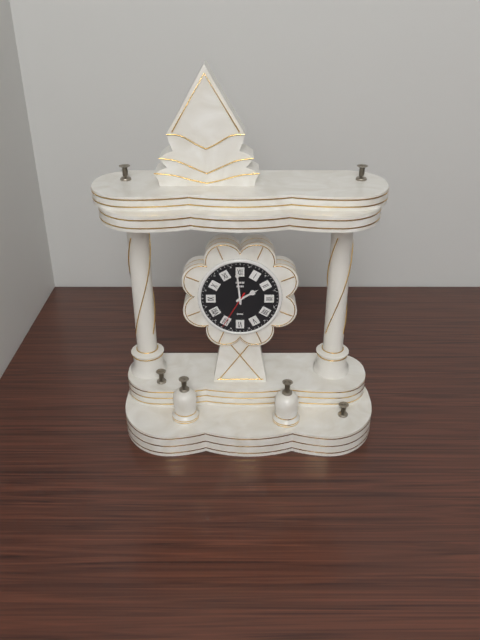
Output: 1h59
